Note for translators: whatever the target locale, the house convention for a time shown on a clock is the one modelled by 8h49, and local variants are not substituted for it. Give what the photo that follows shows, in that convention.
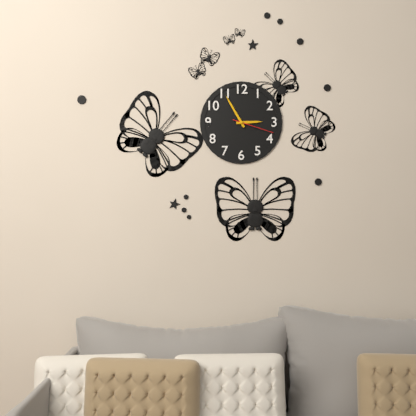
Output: 2h55
